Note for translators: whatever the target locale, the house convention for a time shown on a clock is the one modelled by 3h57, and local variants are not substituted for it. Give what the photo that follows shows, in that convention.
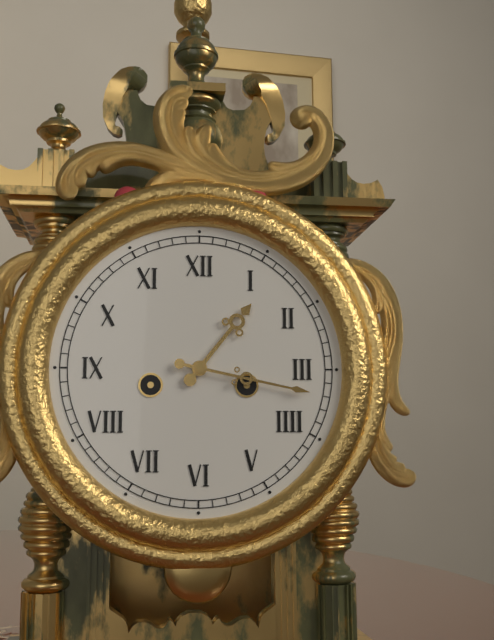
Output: 1h17
